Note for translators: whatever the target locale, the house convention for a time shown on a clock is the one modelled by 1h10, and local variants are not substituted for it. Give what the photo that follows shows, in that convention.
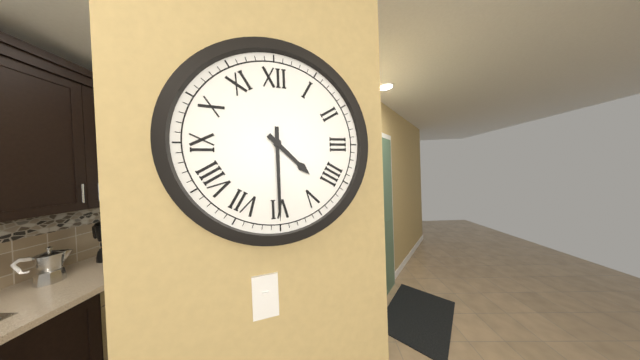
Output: 4h30
